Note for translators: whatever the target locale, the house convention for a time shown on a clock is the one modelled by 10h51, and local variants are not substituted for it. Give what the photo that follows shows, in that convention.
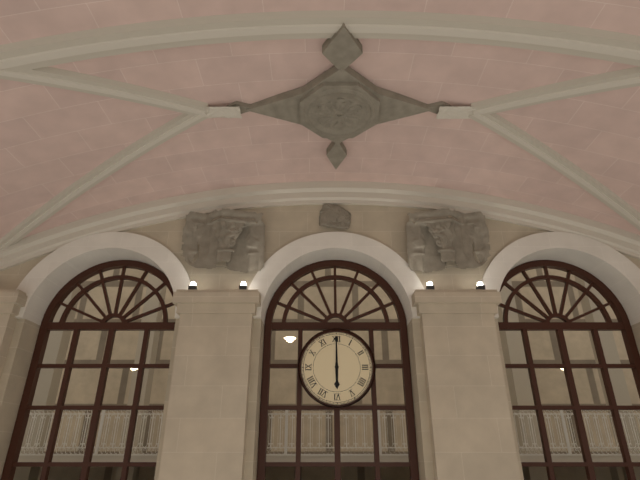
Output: 6h00
